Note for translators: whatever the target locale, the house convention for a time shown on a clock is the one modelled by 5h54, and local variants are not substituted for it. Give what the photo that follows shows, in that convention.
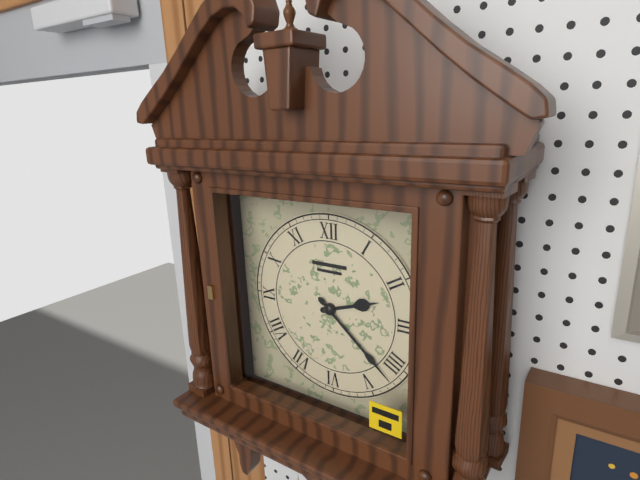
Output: 2h22
